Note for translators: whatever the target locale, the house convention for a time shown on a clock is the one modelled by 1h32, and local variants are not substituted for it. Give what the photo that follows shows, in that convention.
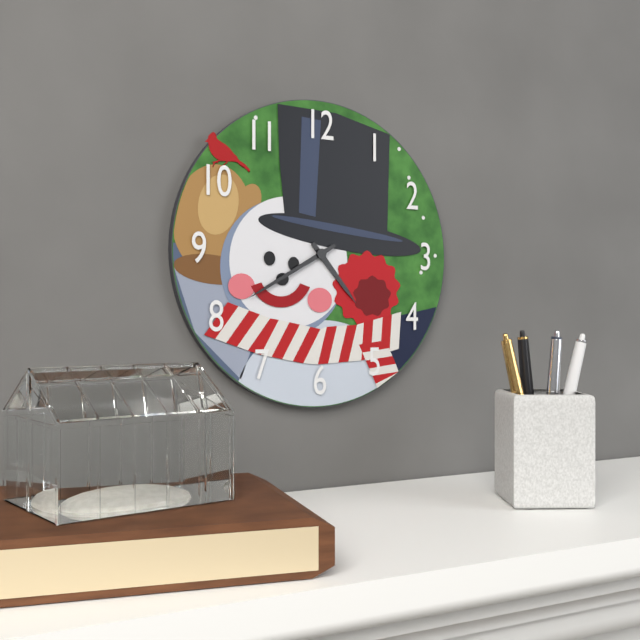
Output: 4h40
